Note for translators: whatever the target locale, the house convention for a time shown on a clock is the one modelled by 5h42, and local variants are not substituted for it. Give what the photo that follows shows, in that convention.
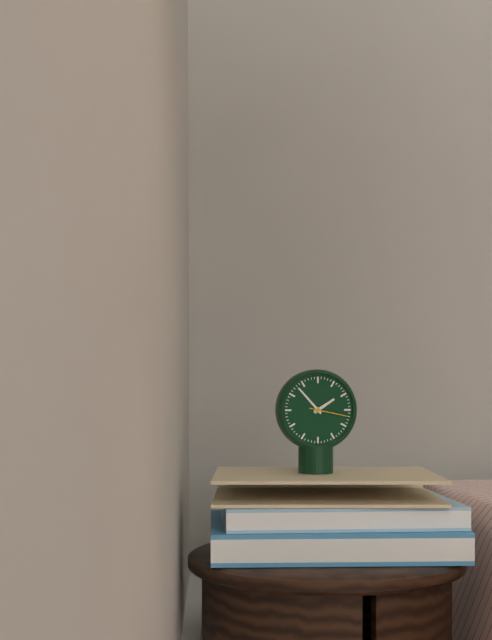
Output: 1h53
